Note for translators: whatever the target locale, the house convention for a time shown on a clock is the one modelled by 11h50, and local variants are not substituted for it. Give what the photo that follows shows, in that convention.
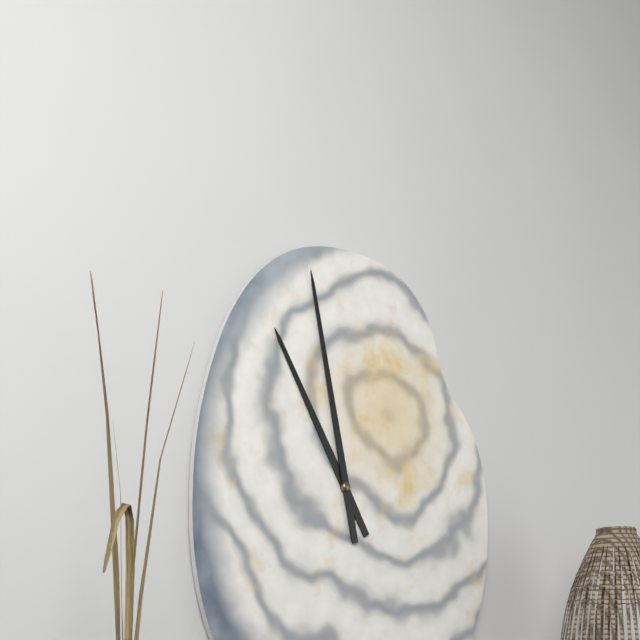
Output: 10h58
